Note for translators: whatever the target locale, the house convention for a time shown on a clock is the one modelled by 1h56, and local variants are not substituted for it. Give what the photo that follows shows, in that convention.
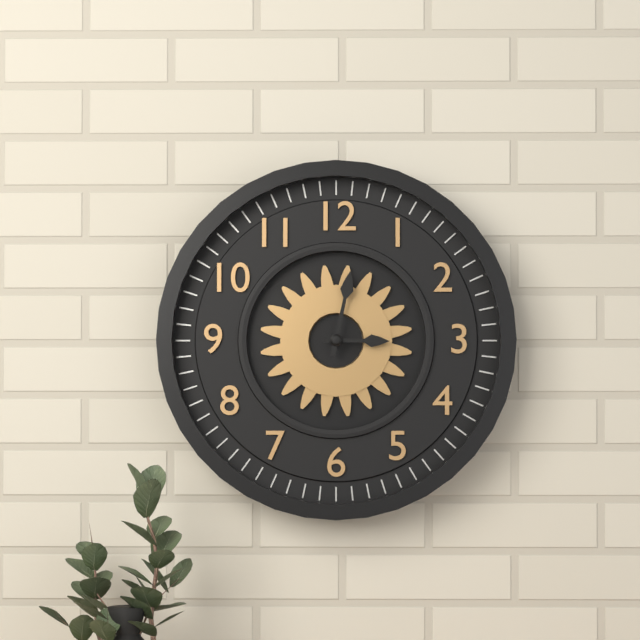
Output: 3h02
